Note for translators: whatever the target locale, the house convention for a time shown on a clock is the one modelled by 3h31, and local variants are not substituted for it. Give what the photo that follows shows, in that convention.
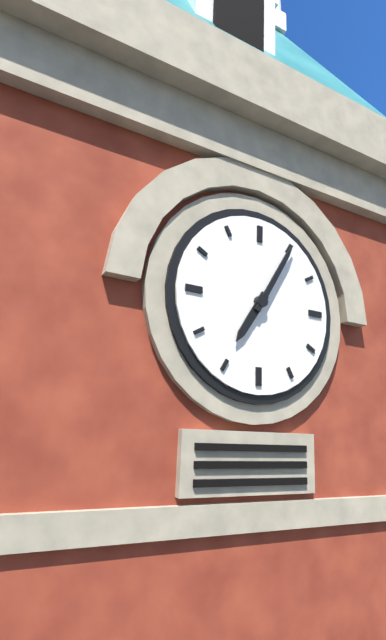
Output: 7h05
